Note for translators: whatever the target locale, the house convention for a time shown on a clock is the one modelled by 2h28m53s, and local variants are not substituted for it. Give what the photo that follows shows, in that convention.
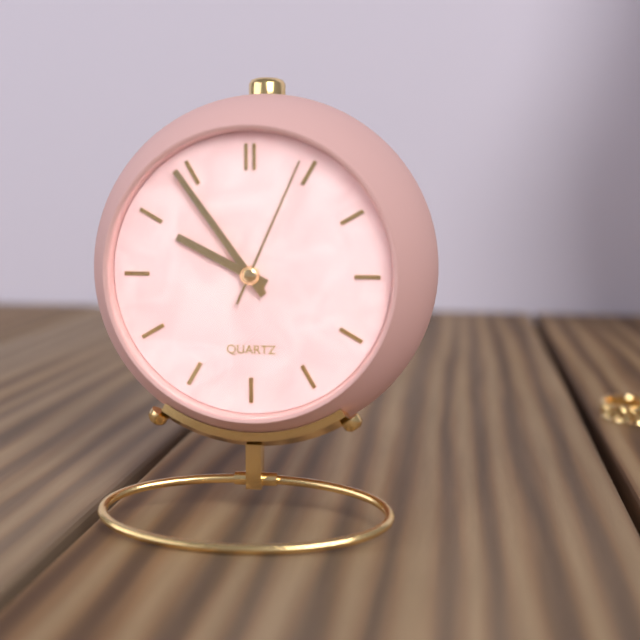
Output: 9h54m04s
